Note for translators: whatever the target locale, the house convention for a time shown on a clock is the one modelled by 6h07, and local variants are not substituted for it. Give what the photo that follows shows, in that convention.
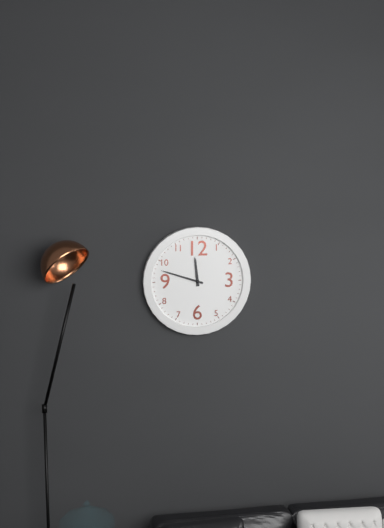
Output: 11h48
